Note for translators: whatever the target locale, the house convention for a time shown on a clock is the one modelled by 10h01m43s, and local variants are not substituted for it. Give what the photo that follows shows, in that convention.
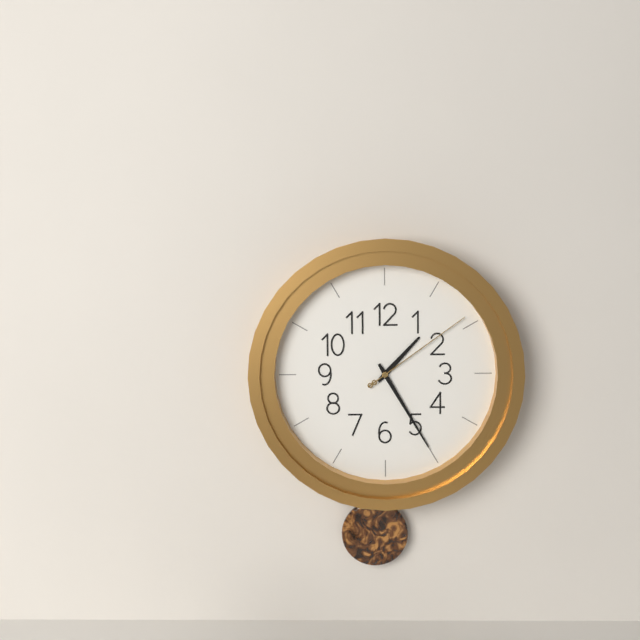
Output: 1h25m09s
